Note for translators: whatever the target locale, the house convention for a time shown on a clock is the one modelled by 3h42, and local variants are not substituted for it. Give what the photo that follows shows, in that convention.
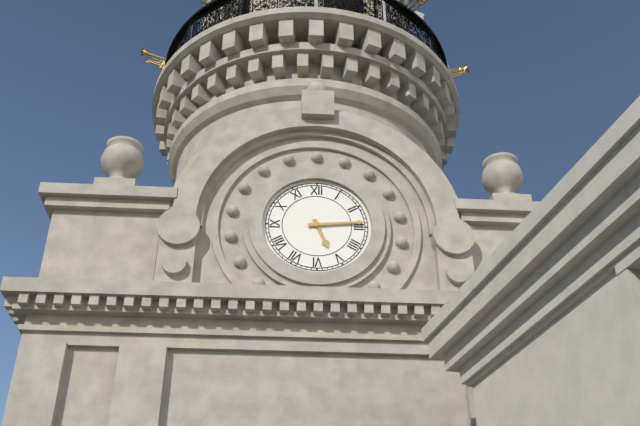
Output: 5h14
